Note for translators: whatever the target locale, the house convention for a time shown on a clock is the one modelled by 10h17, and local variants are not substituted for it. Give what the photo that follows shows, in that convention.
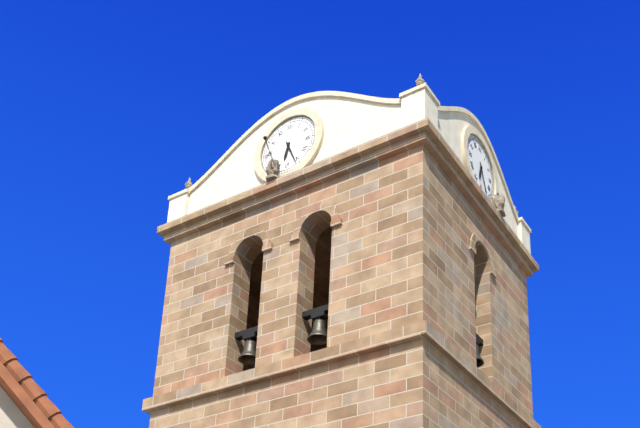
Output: 6h26
